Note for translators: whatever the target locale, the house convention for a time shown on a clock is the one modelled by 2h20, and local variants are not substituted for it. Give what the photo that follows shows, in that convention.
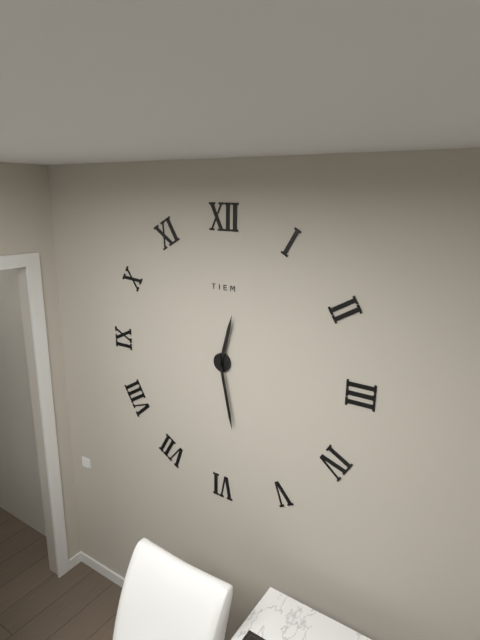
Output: 12h28
